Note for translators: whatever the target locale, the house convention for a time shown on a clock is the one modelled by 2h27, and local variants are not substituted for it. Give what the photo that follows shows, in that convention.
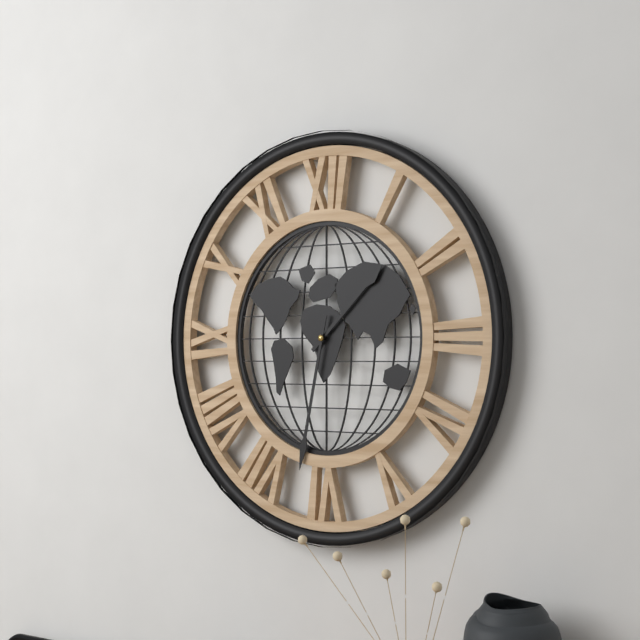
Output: 1h32
